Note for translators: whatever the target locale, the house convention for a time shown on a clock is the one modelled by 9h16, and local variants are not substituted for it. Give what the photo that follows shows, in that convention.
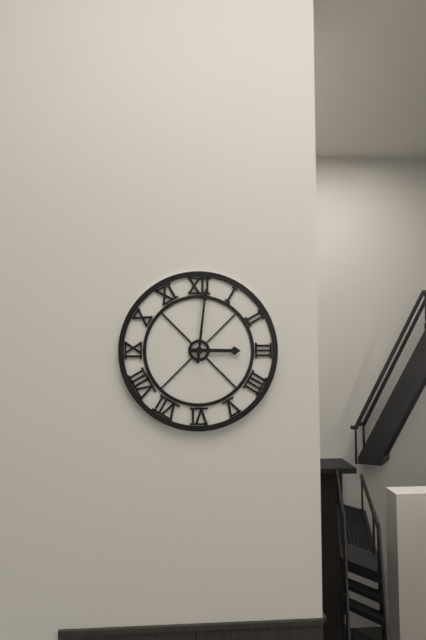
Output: 3h01
